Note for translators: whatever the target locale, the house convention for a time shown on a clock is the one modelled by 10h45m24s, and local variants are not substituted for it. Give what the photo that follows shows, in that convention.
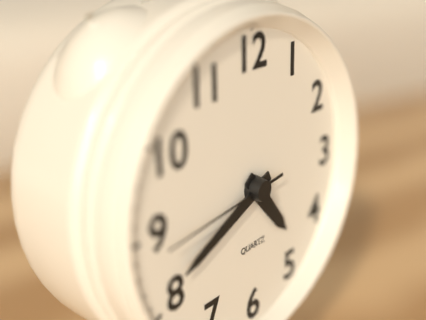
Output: 4h41m44s
